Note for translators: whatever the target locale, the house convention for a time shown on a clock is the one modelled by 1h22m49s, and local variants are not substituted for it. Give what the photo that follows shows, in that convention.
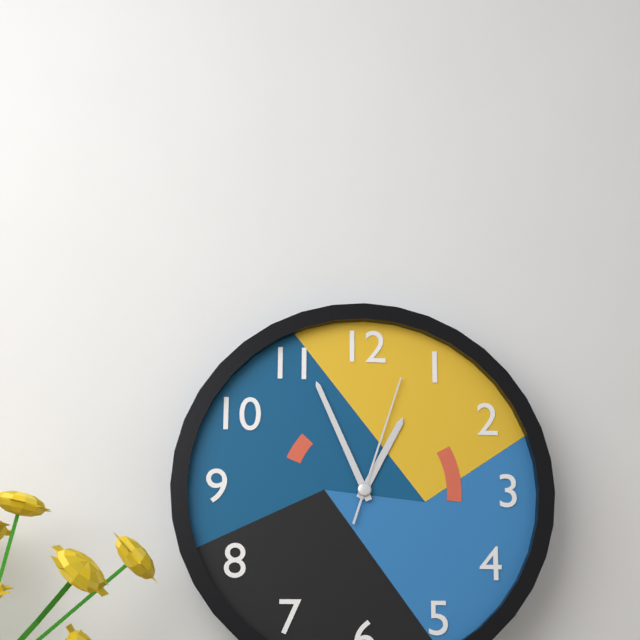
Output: 12h56m03s
